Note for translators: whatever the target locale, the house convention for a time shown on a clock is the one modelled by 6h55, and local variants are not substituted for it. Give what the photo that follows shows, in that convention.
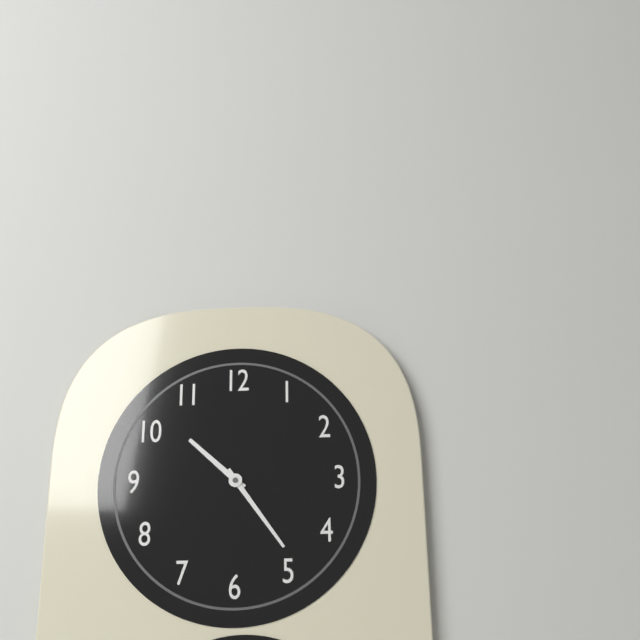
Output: 10h24
